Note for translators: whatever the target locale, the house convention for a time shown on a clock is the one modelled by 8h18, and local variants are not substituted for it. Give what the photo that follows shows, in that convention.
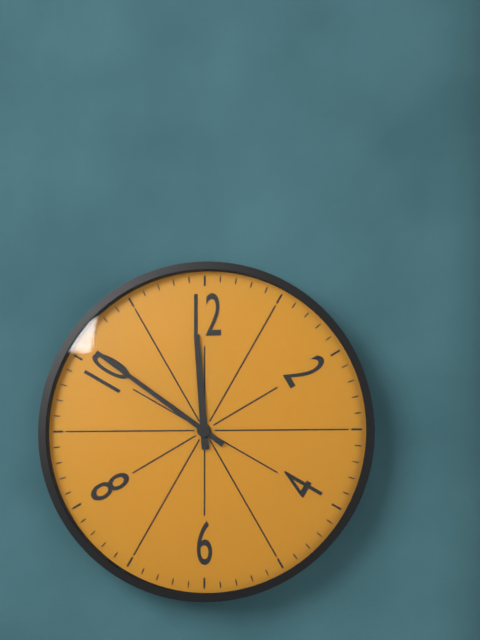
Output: 11h51
